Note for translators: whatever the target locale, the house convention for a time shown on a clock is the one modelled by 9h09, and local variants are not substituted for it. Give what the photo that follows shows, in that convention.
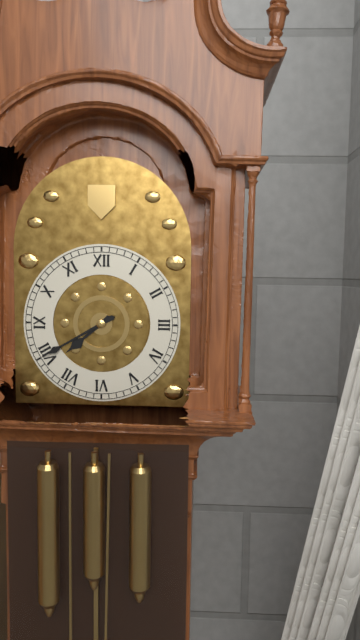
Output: 7h40
